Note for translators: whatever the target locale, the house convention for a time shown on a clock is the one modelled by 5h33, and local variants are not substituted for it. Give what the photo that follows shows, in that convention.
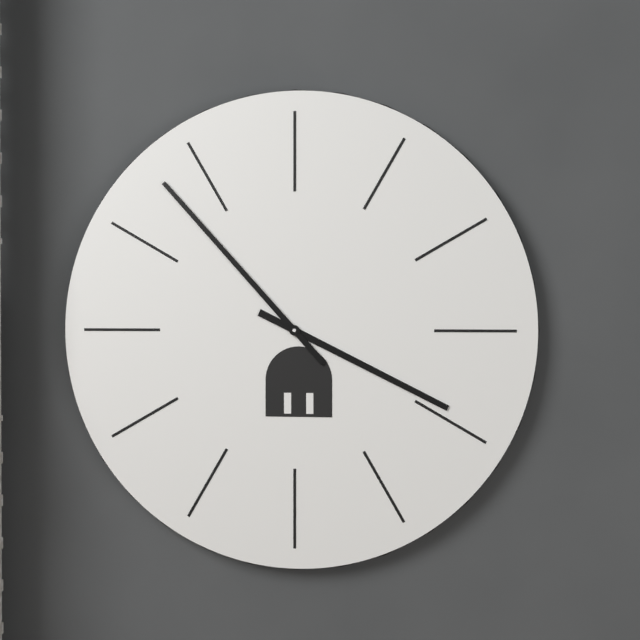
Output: 3h53
